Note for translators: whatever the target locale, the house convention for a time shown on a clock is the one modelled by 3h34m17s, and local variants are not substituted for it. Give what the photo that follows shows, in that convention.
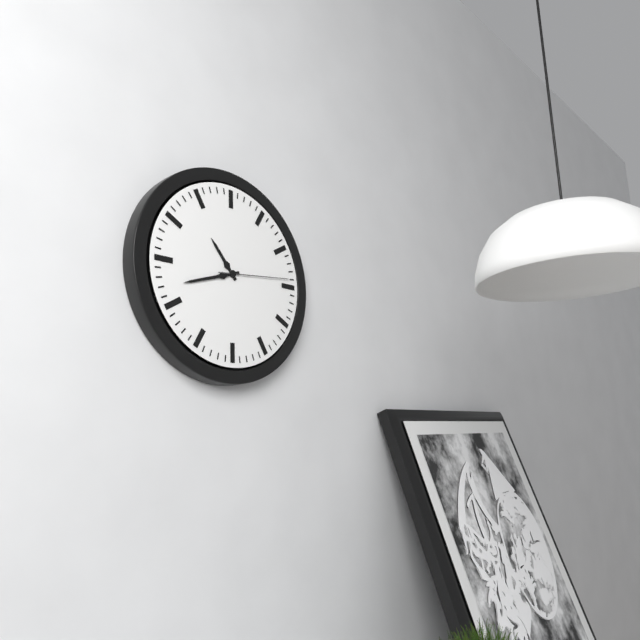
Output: 10h42m14s
